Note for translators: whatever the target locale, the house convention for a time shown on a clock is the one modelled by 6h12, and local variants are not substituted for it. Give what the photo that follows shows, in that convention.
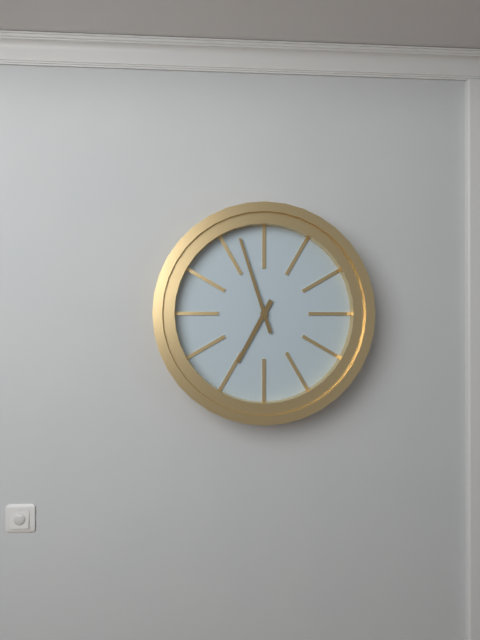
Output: 6h57
